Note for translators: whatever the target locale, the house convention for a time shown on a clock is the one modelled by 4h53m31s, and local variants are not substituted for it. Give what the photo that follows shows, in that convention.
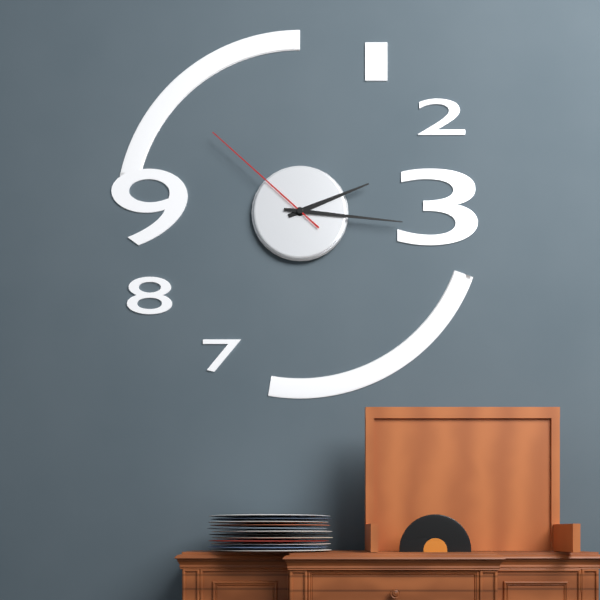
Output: 2h16m52s
